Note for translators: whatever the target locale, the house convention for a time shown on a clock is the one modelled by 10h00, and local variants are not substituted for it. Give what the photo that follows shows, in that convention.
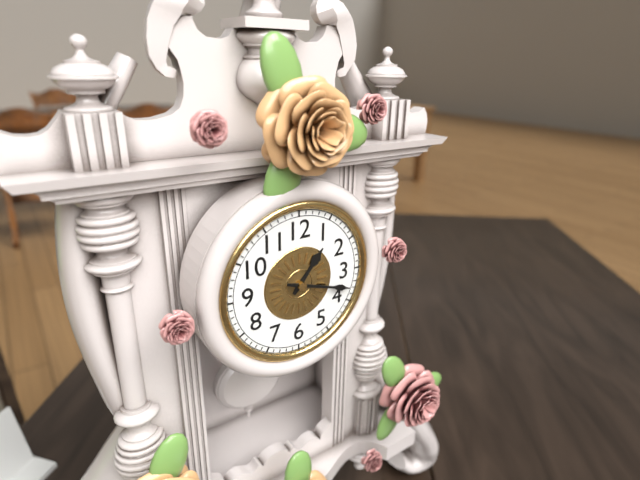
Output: 1h18
